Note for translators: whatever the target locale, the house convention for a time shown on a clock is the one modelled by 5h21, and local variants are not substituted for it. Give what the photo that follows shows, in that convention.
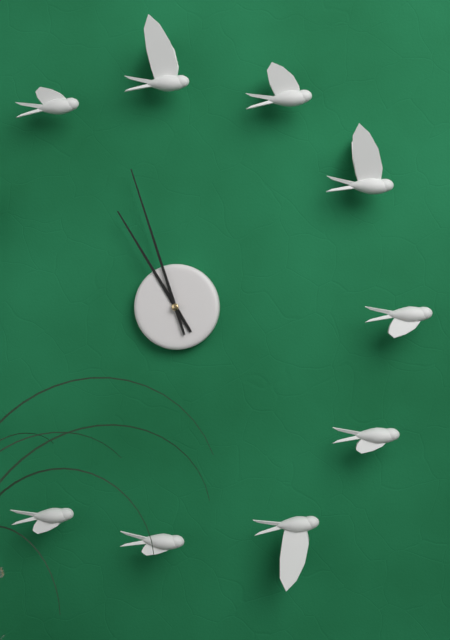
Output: 10h57
